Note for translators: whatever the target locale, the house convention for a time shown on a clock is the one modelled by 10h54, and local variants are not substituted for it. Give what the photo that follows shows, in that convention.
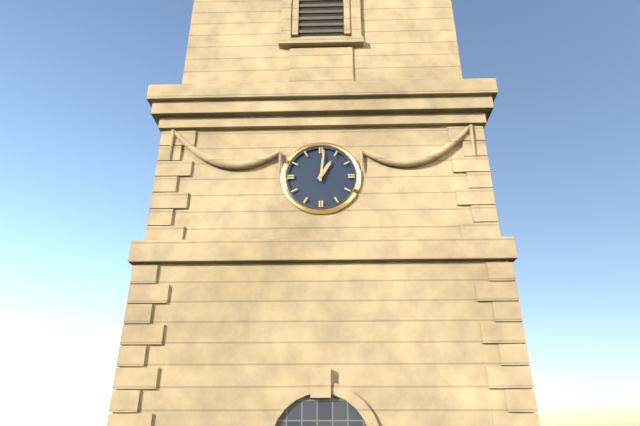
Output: 1h01
